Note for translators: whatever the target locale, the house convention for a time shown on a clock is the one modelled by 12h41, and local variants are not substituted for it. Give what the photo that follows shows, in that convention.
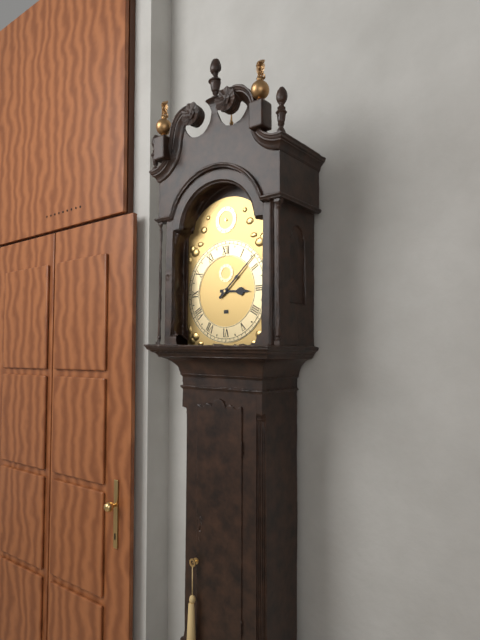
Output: 3h08
